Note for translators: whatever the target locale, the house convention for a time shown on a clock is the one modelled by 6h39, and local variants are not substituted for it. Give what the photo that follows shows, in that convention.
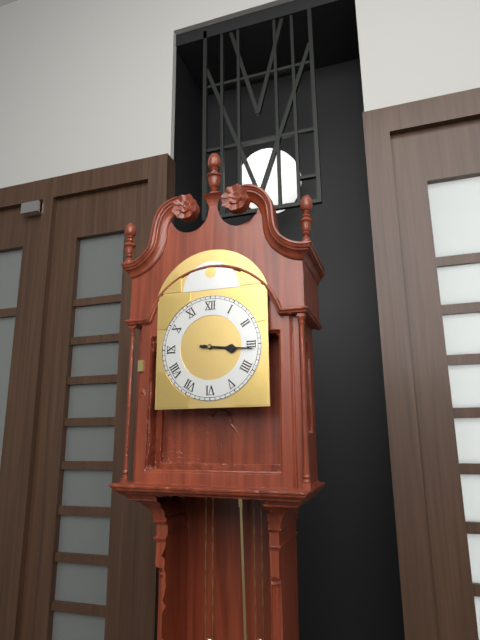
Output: 3h16
